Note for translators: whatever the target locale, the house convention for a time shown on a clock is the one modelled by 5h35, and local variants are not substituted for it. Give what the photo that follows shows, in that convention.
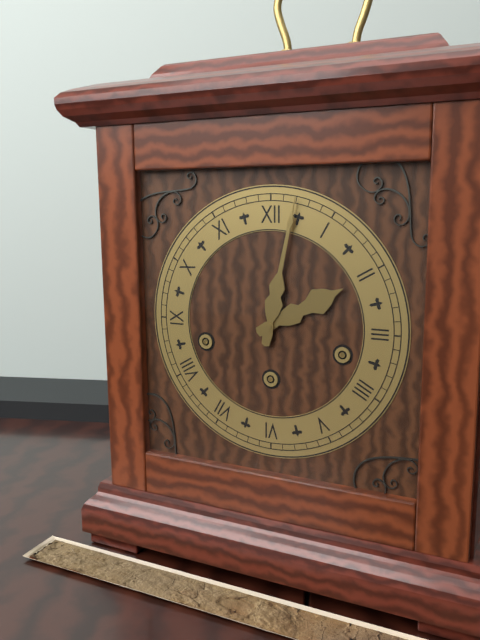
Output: 2h02
